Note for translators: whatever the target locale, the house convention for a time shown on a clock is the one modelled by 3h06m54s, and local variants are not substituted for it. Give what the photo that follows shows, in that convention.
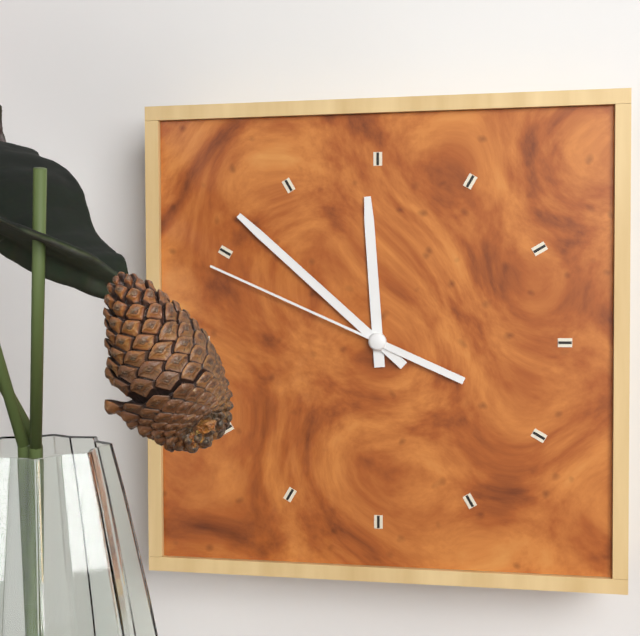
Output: 11h52m49s
